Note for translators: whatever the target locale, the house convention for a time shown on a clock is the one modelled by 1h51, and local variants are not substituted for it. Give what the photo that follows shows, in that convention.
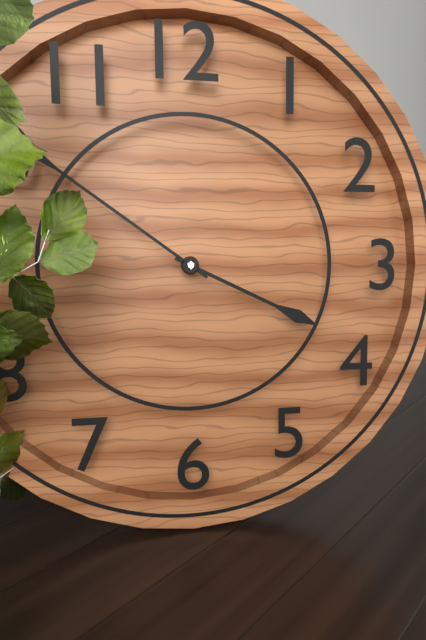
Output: 3h51
